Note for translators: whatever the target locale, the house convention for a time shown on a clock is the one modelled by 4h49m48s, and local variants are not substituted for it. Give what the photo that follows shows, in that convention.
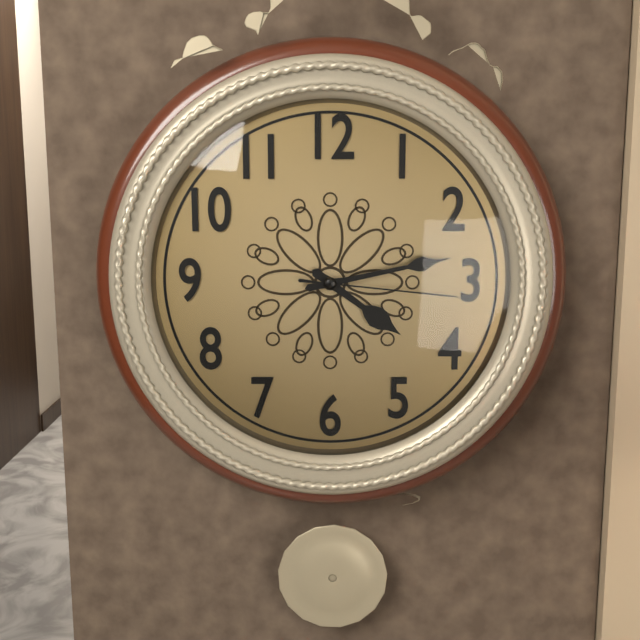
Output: 4h13m16s
